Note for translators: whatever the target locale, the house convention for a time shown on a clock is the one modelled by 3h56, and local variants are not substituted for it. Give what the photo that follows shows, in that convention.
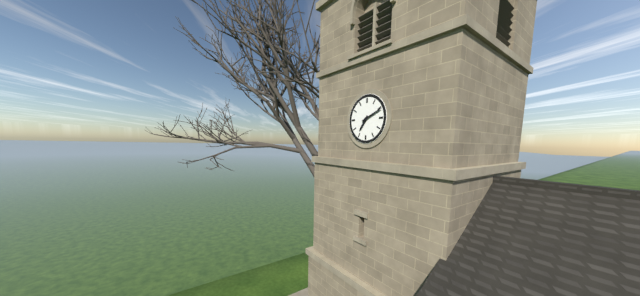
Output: 7h11
